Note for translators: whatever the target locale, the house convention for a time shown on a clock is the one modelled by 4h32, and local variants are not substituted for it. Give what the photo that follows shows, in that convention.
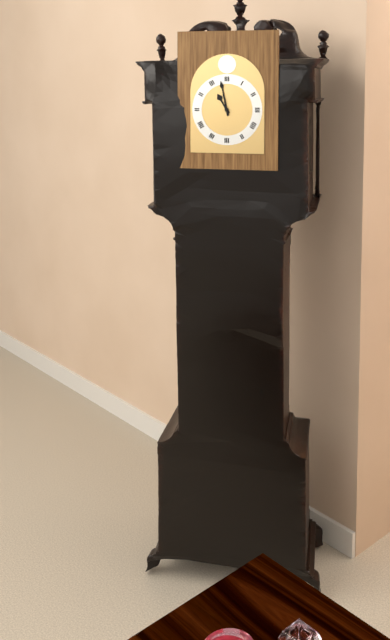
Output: 10h58
